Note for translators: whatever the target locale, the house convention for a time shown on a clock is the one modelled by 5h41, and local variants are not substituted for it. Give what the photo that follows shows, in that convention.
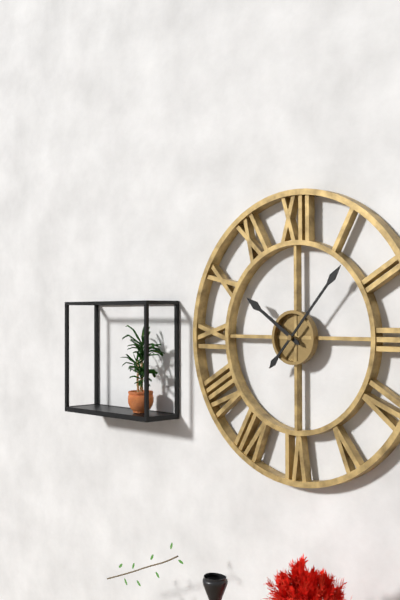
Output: 10h07
